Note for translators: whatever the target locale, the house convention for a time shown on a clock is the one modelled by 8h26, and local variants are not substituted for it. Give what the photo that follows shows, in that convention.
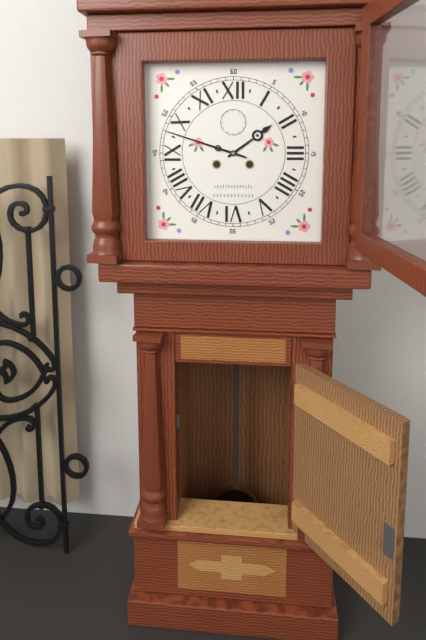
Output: 1h48
